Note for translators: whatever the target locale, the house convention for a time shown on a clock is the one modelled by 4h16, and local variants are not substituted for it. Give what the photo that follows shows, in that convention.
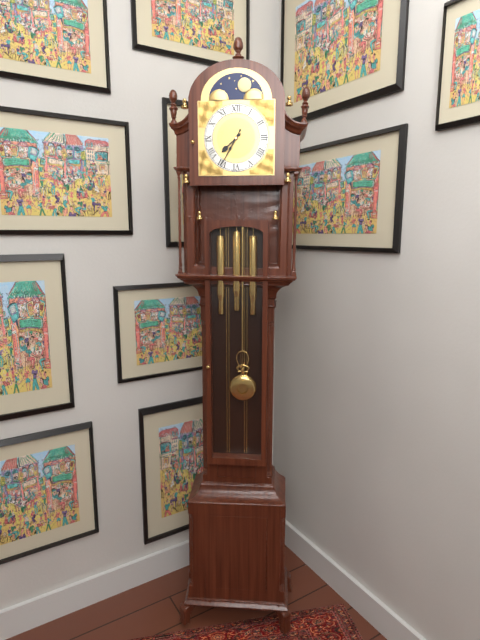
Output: 7h35
